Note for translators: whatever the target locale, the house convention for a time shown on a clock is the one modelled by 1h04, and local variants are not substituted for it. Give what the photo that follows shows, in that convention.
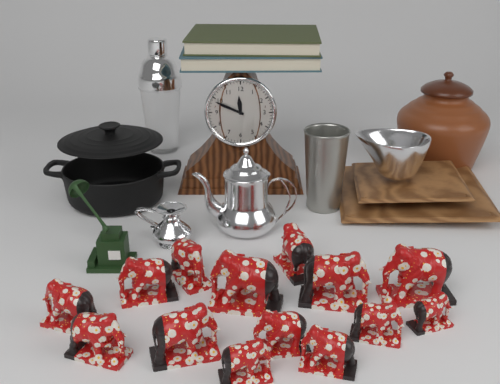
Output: 11h49
